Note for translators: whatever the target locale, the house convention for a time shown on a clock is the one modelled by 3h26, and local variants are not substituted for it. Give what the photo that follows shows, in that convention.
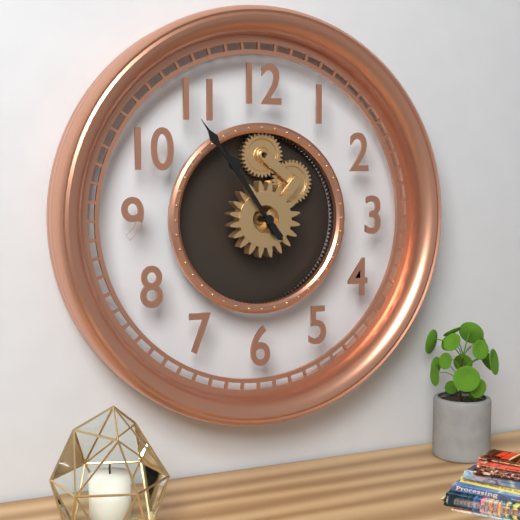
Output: 10h54
